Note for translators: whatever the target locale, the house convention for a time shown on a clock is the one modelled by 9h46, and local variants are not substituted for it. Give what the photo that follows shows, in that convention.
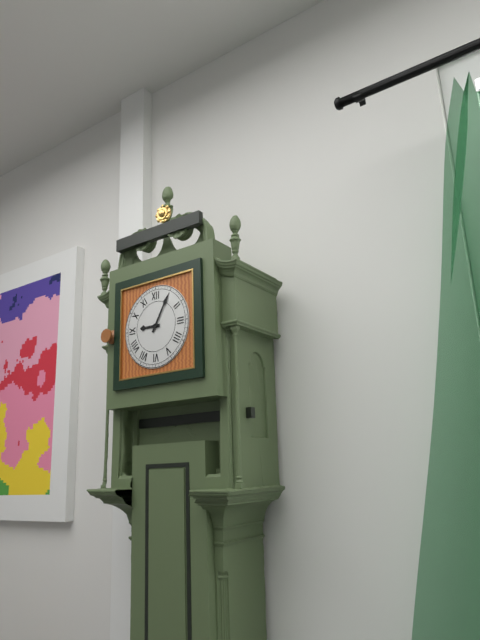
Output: 9h05
